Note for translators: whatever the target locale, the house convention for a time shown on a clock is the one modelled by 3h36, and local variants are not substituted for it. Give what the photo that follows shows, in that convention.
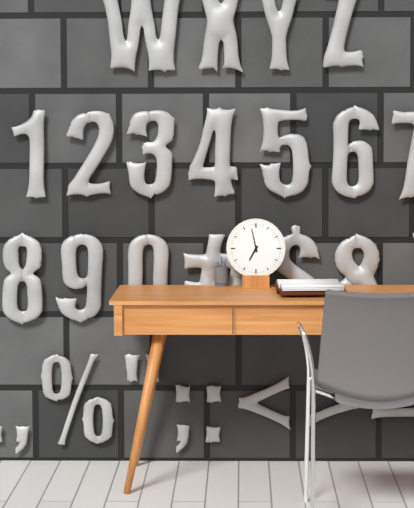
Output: 6h58
